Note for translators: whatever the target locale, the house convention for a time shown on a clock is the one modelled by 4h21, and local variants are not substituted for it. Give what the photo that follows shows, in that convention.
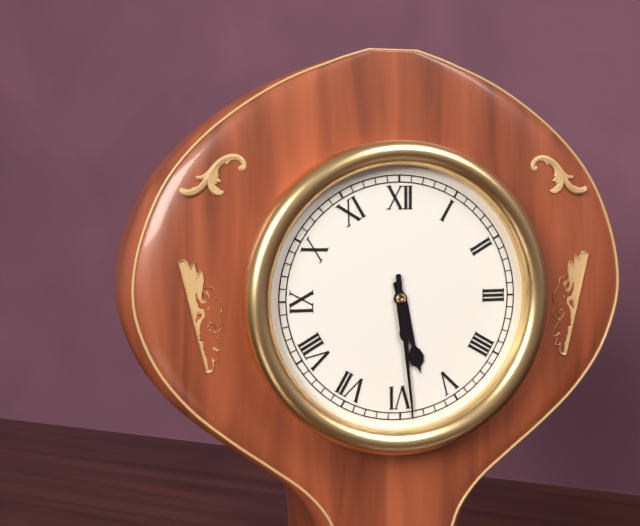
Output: 5h29
